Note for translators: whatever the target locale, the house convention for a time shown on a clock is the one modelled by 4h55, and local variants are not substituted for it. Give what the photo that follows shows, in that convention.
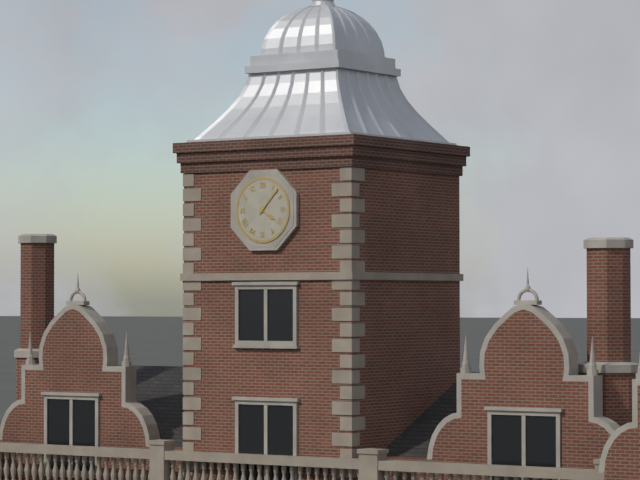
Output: 4h07
